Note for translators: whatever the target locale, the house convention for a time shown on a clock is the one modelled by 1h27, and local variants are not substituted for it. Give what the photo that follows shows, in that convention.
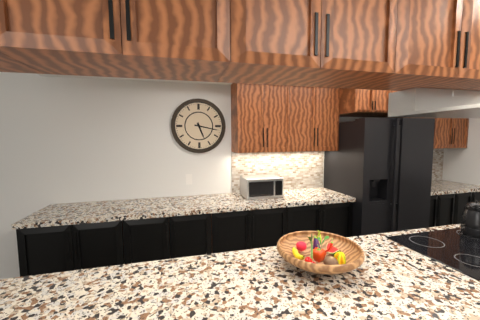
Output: 5h17
